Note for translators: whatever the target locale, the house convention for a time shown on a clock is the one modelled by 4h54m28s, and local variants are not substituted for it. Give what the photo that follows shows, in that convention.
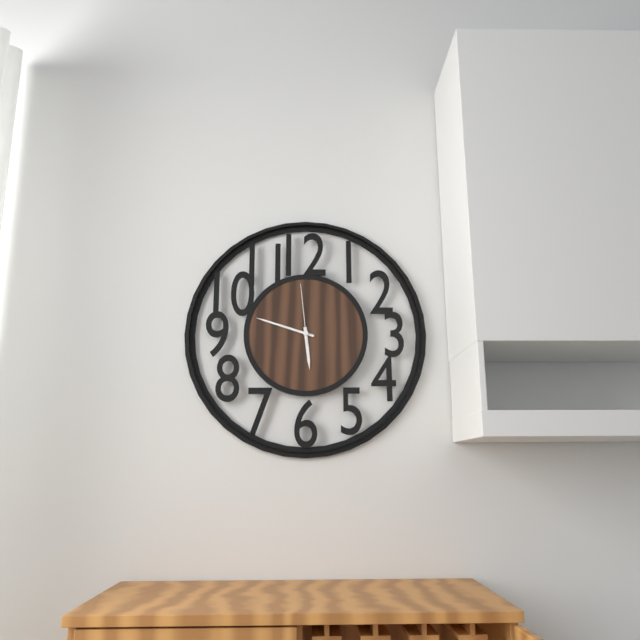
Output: 5h48m59s
